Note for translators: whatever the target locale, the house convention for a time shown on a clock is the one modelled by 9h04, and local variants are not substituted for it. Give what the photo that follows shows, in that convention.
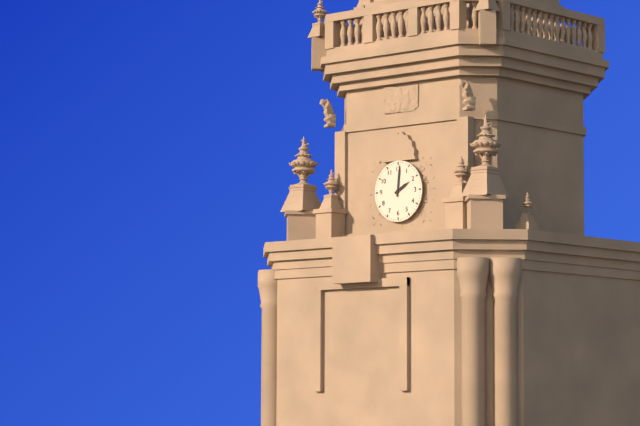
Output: 2h01
